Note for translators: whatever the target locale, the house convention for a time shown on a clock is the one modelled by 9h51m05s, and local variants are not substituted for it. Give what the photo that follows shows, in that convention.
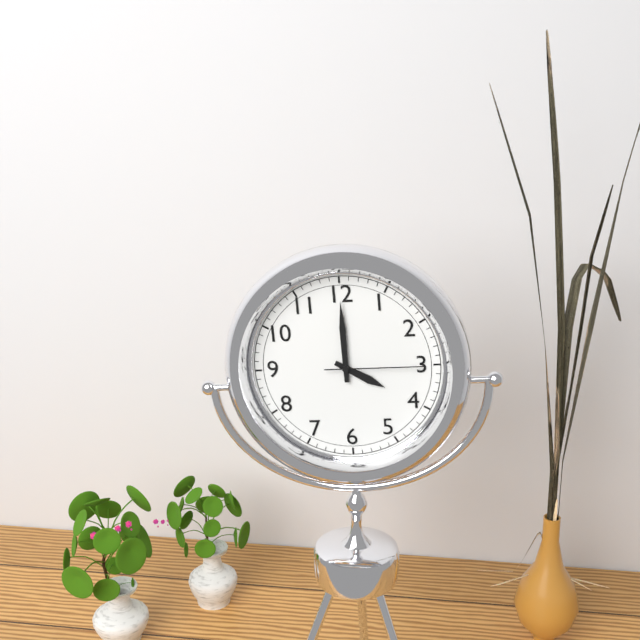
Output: 4h00m15s
